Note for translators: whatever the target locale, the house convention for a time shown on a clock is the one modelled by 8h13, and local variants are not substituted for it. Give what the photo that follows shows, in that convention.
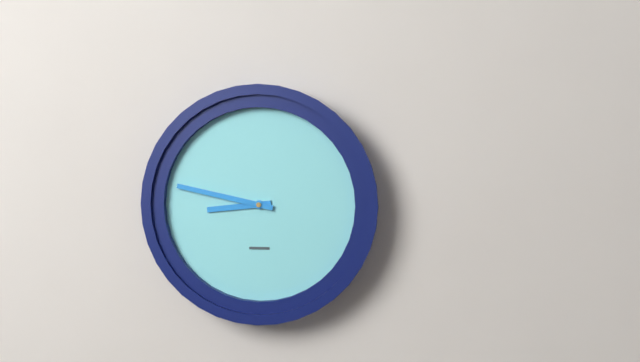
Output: 8h47
